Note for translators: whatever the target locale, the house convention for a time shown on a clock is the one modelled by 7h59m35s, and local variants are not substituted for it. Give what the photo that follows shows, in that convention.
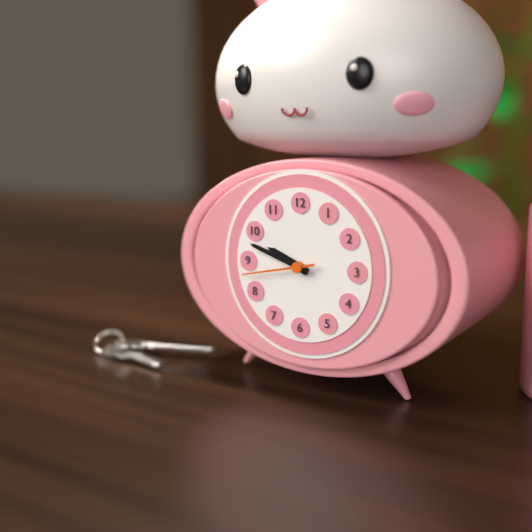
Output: 9h48m43s
